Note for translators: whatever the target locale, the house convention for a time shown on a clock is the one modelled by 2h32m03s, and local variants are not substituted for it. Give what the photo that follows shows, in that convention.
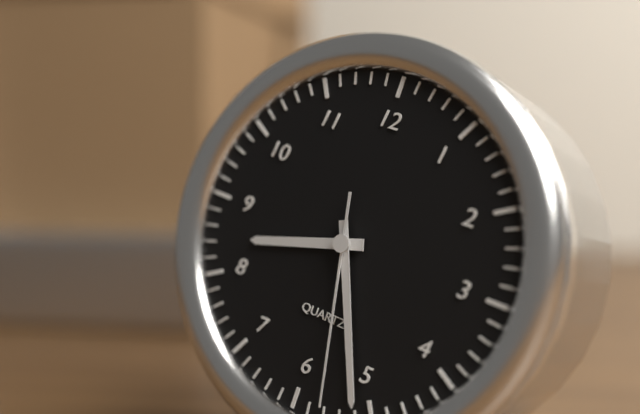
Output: 8h26m28s
